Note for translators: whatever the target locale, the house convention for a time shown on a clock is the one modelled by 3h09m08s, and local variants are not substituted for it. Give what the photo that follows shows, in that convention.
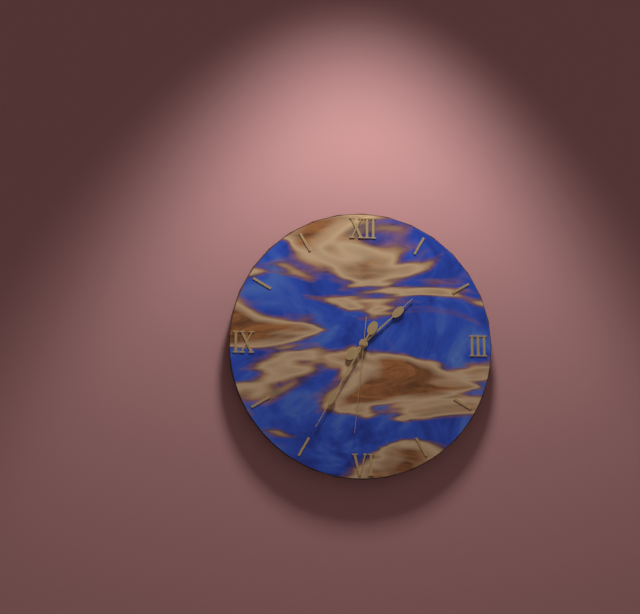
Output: 1h35m31s
